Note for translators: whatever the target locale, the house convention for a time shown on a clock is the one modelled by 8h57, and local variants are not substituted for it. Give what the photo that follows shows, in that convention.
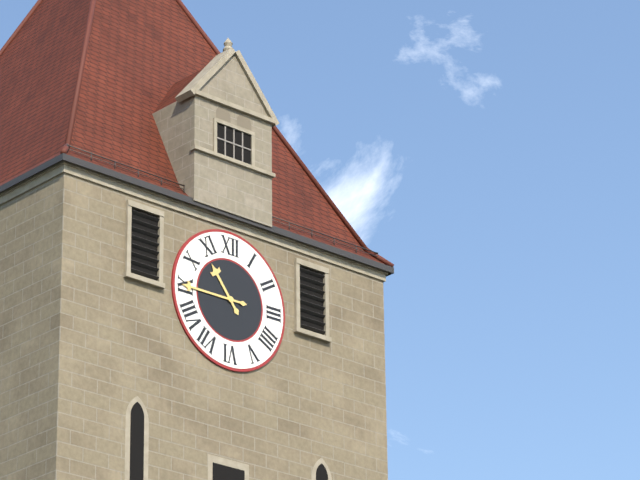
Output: 10h45
